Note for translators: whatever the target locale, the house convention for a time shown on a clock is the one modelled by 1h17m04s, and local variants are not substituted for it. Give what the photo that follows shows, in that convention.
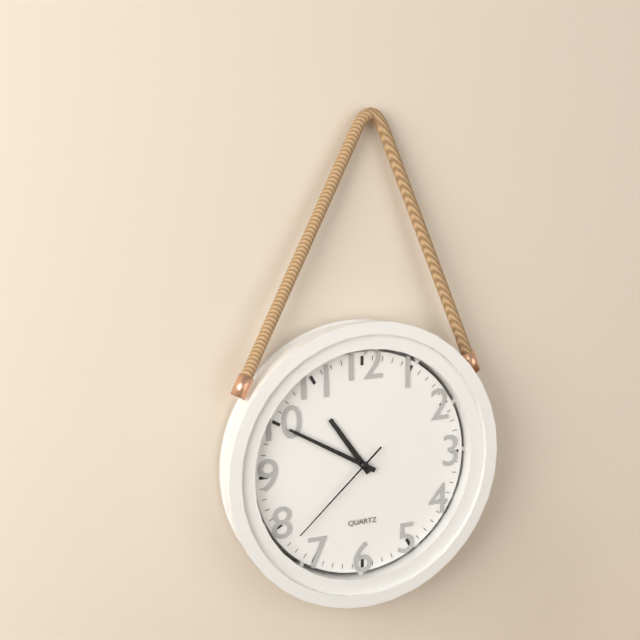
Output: 10h50m38s
